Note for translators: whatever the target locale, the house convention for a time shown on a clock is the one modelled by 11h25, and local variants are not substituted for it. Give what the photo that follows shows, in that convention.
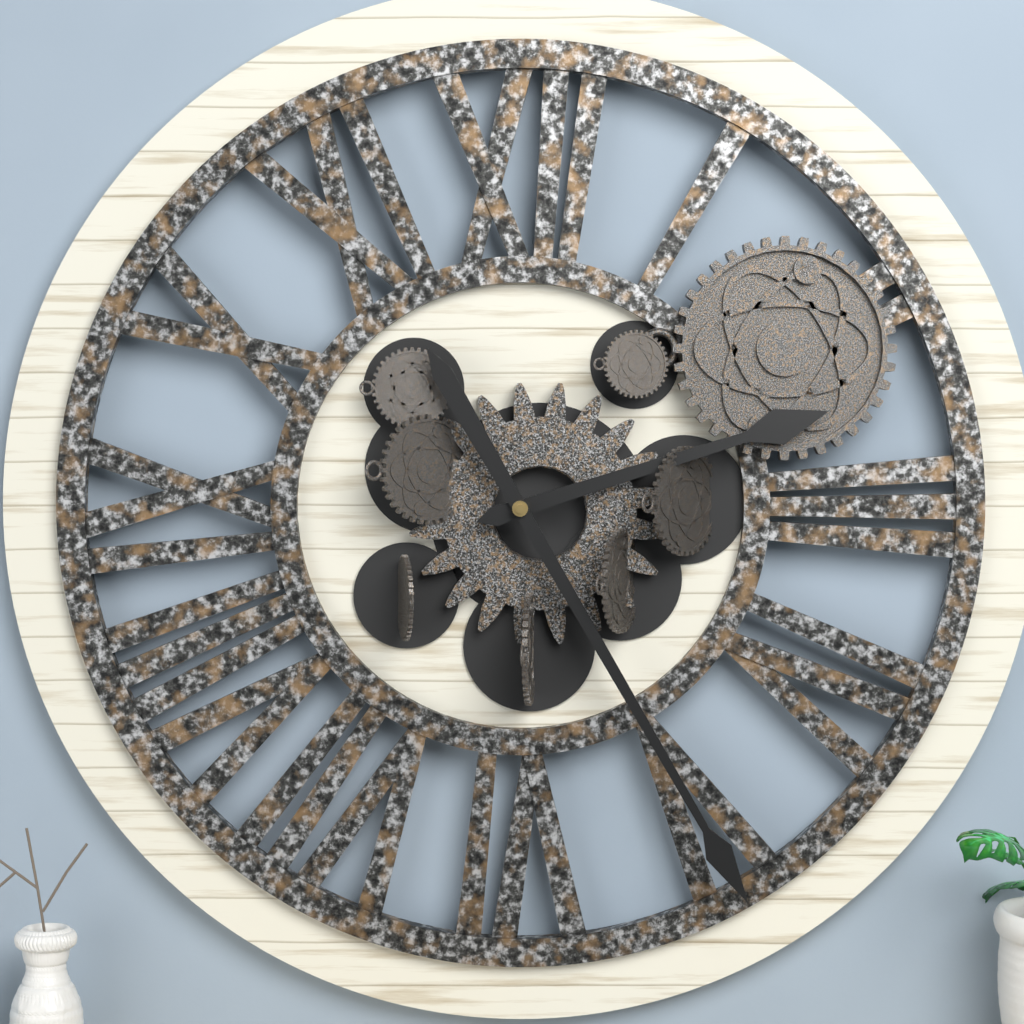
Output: 2h25
